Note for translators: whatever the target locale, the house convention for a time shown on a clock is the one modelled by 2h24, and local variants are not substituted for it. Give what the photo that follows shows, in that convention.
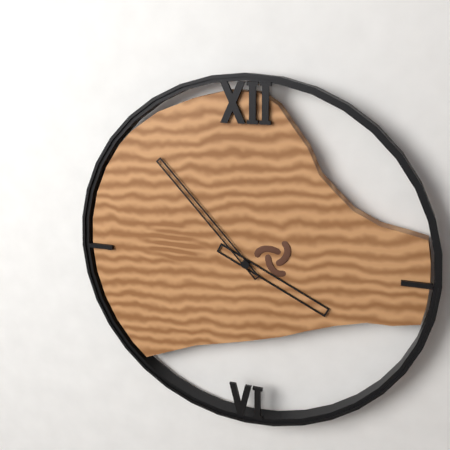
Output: 3h53
